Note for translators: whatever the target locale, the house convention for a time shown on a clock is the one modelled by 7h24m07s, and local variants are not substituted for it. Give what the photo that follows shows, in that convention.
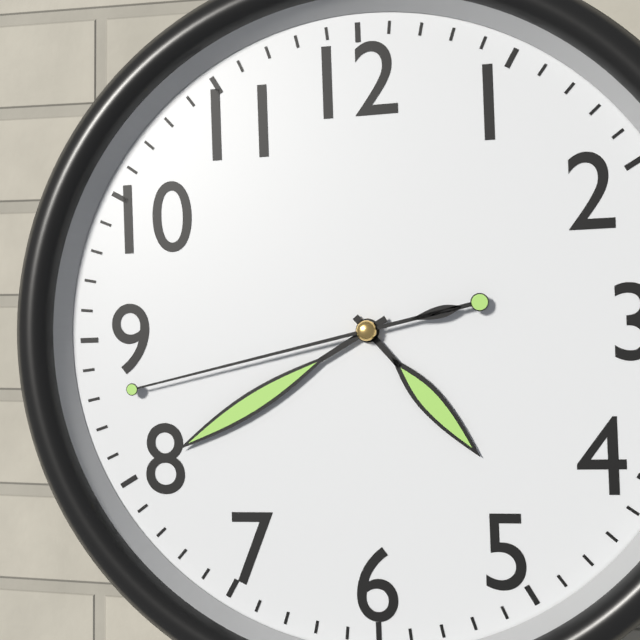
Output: 4h40m43s
